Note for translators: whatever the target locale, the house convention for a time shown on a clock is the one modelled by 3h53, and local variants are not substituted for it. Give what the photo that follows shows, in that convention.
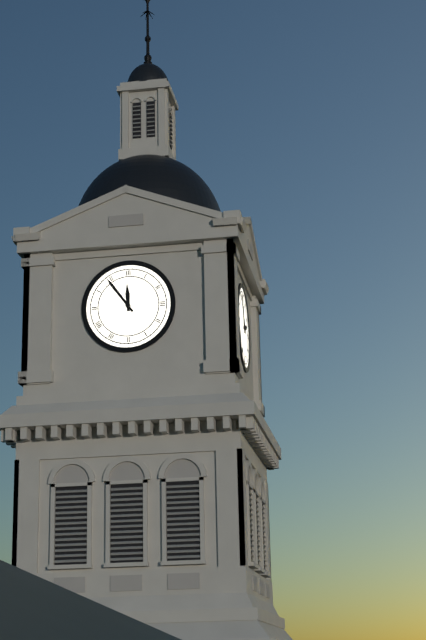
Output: 11h54
